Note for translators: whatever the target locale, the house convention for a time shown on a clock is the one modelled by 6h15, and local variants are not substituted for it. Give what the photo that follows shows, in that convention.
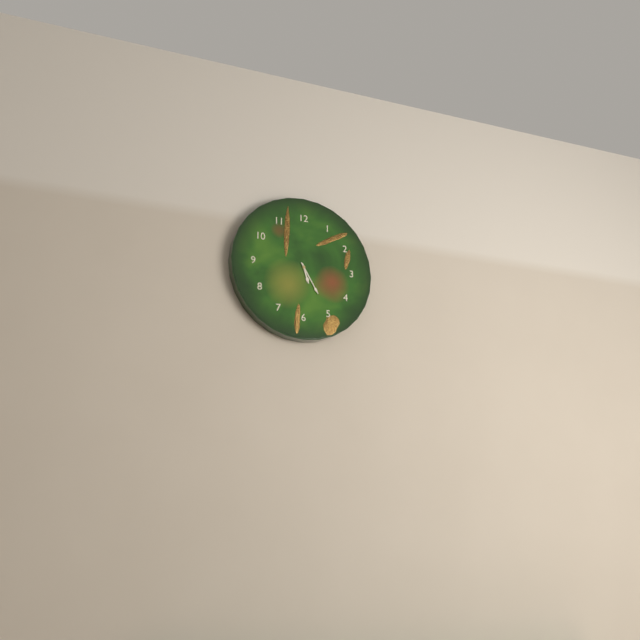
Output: 5h25
